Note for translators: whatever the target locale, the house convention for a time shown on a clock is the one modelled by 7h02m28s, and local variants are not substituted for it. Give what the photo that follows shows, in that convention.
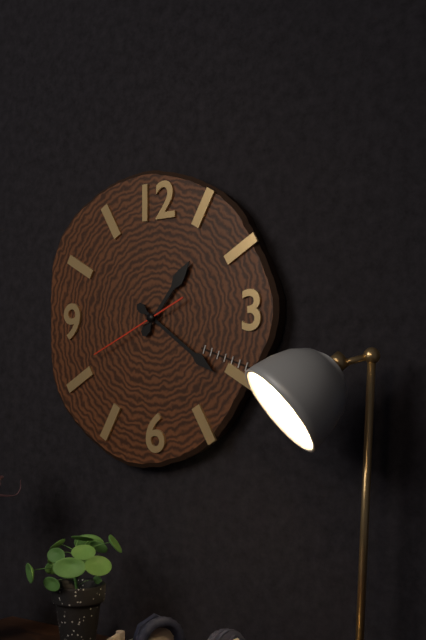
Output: 1h21m41s
